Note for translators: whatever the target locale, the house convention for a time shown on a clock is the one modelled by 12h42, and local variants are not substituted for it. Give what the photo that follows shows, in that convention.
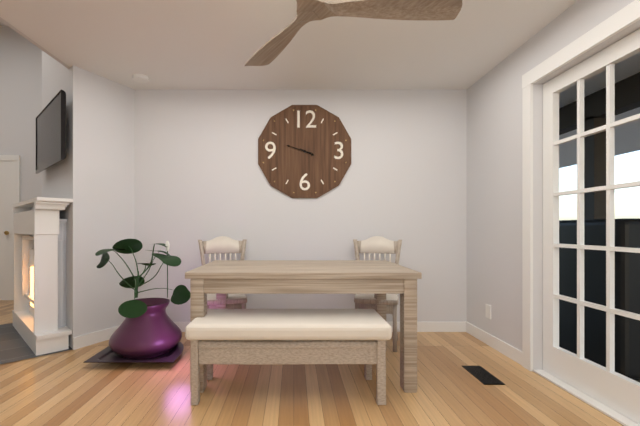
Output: 3h48
